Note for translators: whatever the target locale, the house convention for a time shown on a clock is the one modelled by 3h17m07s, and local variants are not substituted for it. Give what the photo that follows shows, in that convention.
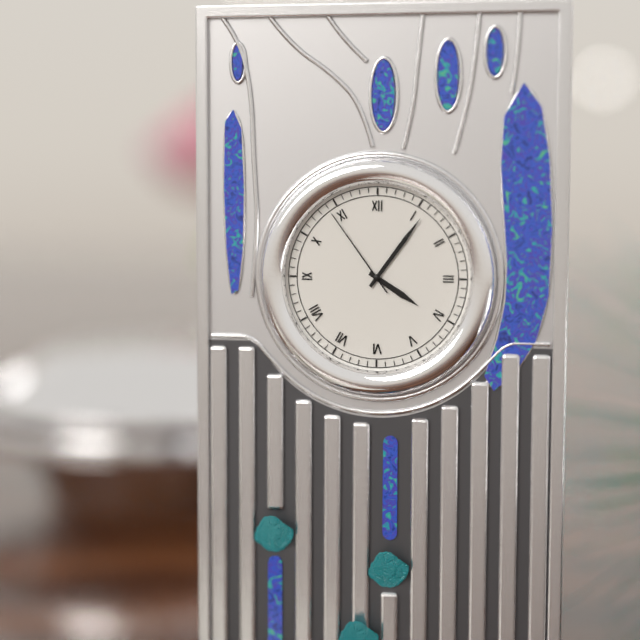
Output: 4h06m54s
